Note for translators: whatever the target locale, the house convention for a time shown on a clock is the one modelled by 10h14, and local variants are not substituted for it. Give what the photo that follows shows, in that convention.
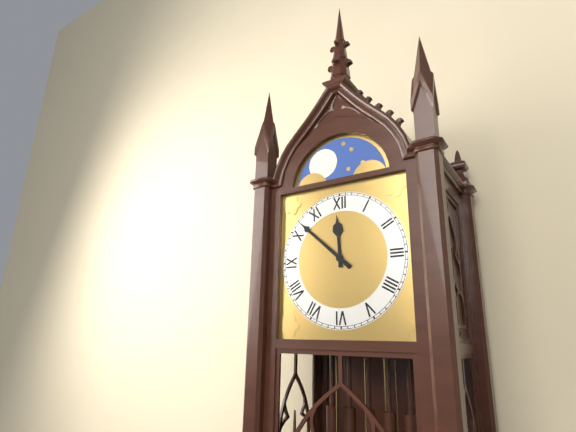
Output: 11h52
